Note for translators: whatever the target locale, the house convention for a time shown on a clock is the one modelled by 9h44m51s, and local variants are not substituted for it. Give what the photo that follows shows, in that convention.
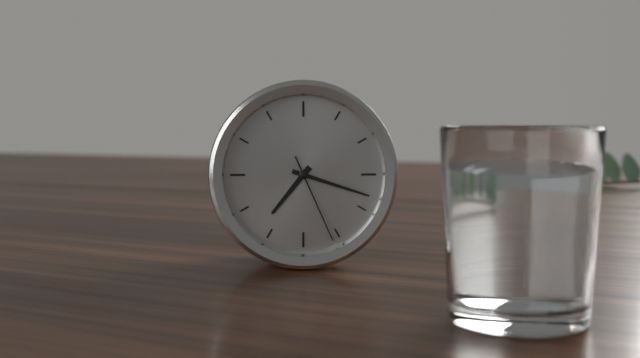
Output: 7h18m26s
